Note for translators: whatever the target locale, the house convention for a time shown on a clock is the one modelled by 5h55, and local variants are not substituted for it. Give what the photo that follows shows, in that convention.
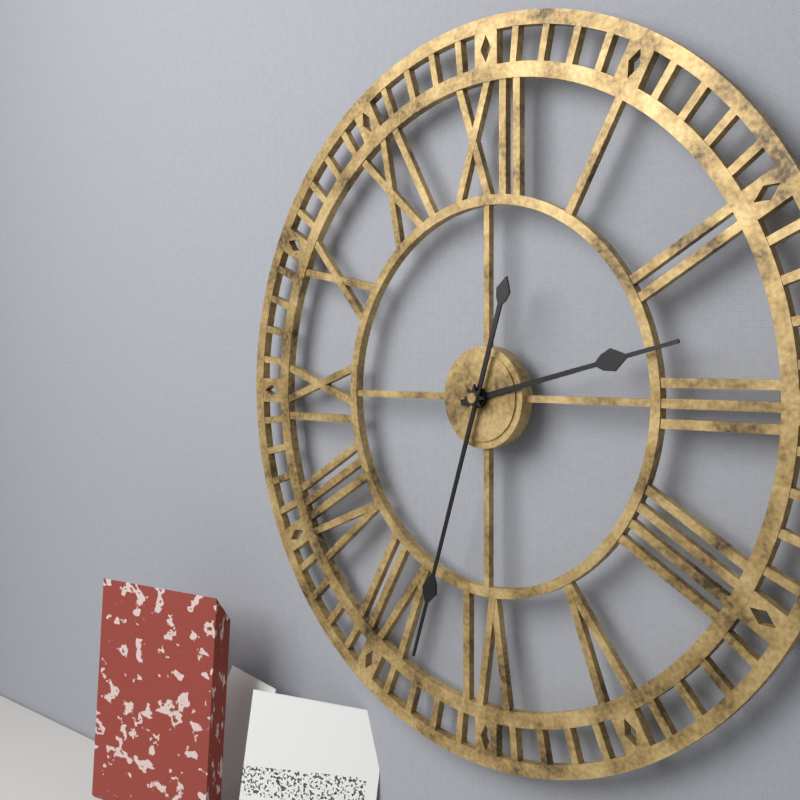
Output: 2h33
